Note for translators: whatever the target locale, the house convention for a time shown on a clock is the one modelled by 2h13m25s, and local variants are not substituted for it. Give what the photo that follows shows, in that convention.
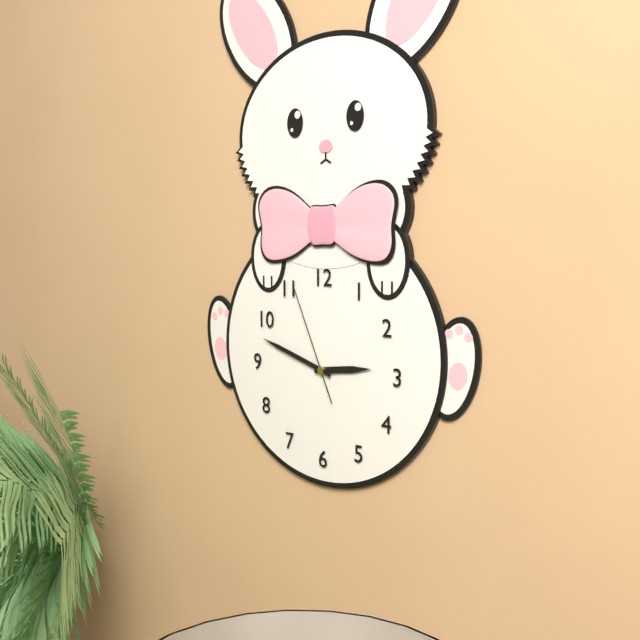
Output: 2h48m56s
